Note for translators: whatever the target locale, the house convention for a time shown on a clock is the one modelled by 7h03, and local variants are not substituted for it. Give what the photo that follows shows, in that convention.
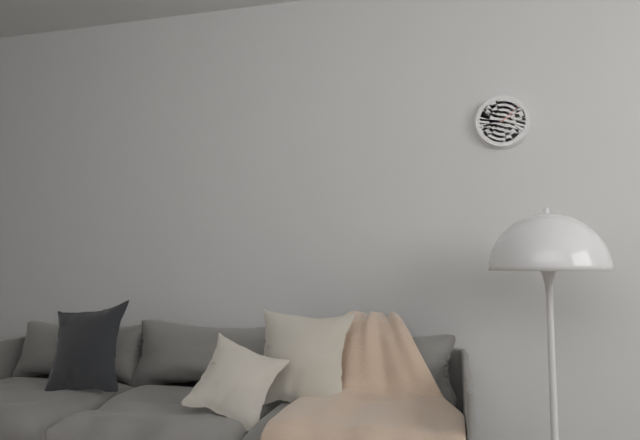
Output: 2h08
